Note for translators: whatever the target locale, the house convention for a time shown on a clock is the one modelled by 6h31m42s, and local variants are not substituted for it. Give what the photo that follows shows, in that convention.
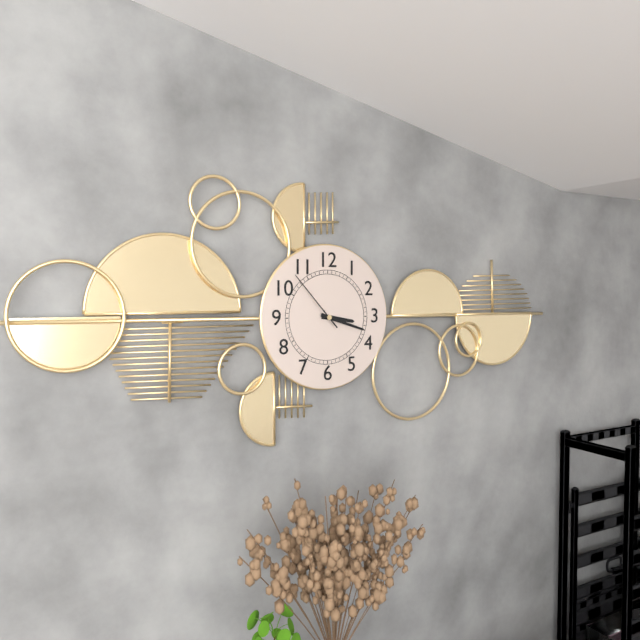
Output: 3h18m53s
